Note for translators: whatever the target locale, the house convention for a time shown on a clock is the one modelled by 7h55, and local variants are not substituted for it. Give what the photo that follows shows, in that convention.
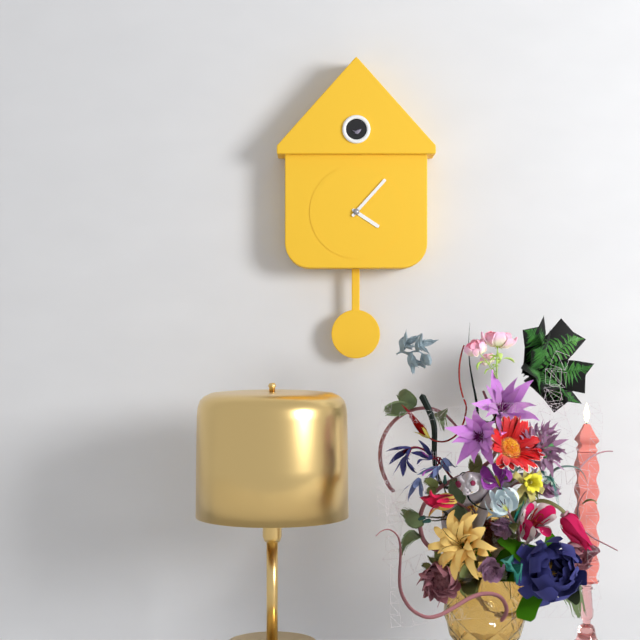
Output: 4h07
